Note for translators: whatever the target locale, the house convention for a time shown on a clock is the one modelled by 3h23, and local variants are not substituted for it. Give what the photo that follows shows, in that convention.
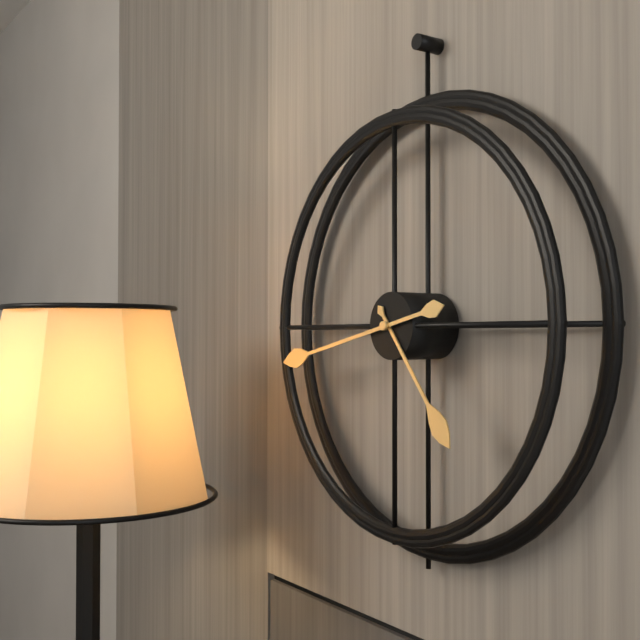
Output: 4h43
